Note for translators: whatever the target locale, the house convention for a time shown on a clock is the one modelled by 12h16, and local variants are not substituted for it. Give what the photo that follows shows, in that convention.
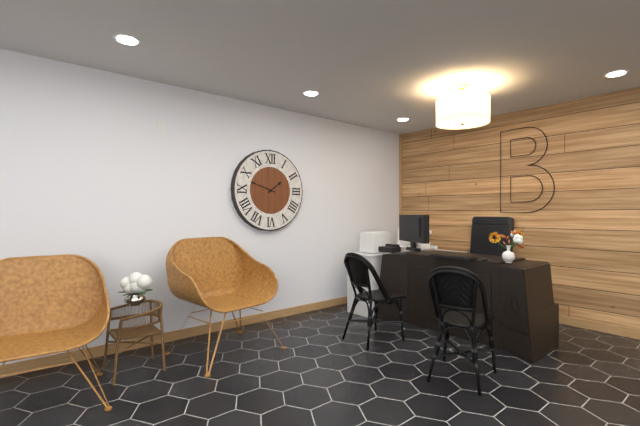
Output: 1h48
